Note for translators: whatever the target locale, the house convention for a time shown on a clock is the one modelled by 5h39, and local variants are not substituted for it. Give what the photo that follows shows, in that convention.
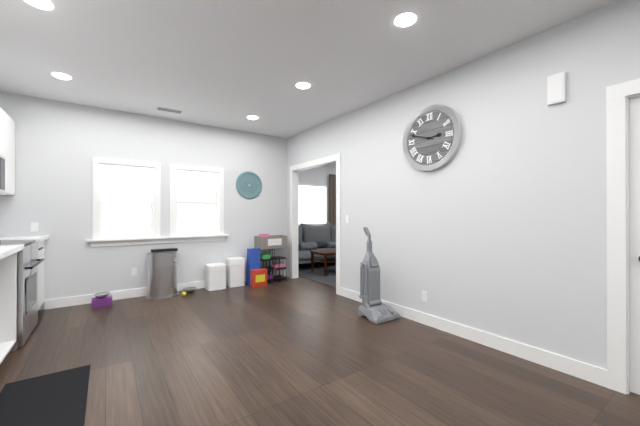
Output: 2h48
